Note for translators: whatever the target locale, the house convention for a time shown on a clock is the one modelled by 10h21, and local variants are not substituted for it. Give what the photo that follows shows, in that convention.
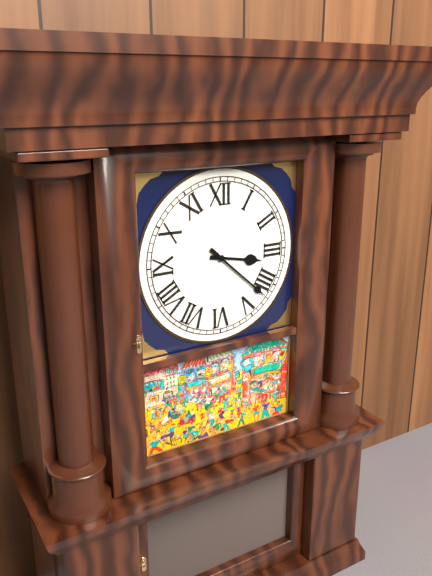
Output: 3h22
